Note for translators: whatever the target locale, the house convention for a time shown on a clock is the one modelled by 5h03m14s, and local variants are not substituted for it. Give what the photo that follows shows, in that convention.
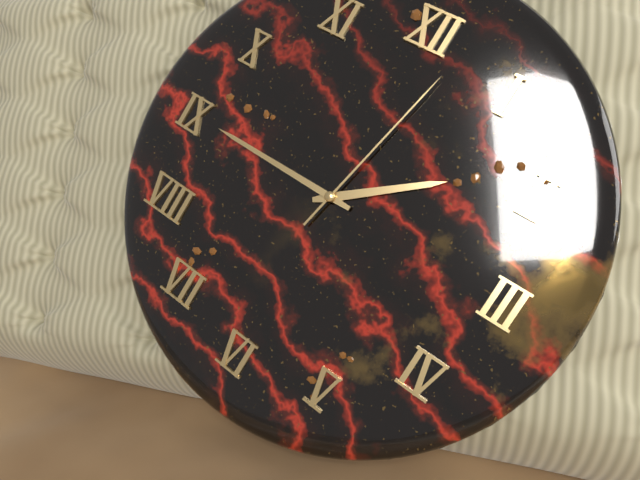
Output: 1h45m02s
